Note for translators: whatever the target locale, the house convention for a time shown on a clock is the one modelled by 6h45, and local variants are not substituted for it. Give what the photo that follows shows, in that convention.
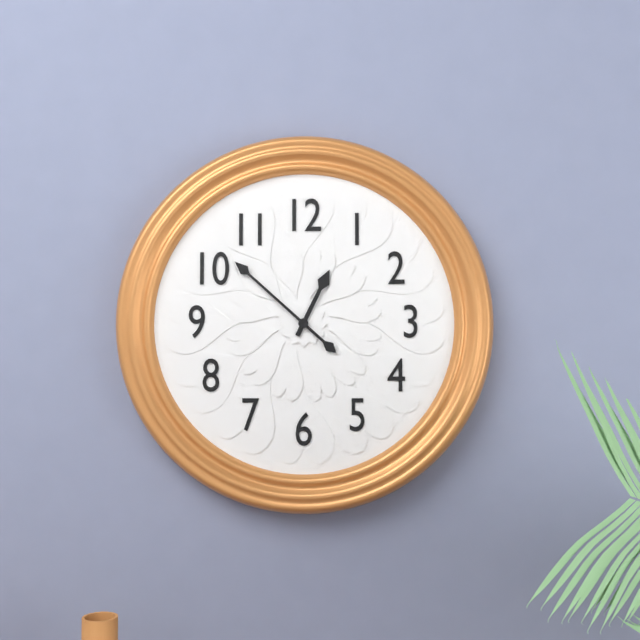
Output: 12h52
